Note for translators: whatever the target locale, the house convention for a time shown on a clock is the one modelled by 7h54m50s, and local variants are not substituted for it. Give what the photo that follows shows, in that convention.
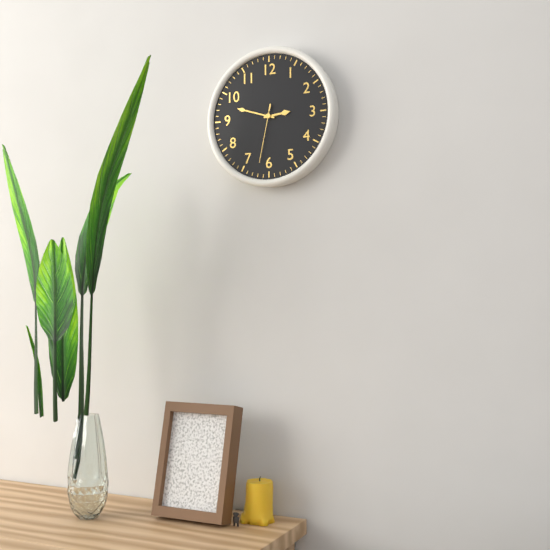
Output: 2h48m32s
